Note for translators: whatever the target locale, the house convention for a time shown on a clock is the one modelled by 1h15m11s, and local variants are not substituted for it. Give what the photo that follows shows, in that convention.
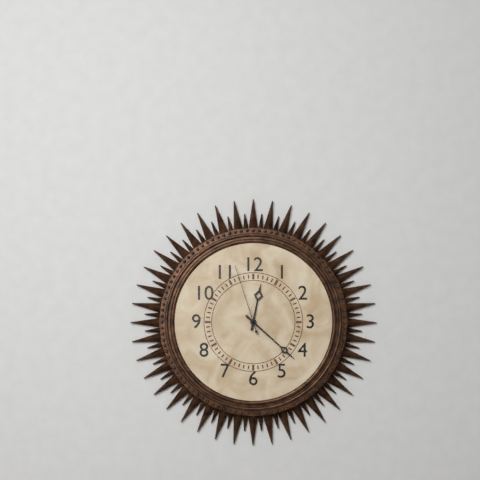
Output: 12h22m57s
